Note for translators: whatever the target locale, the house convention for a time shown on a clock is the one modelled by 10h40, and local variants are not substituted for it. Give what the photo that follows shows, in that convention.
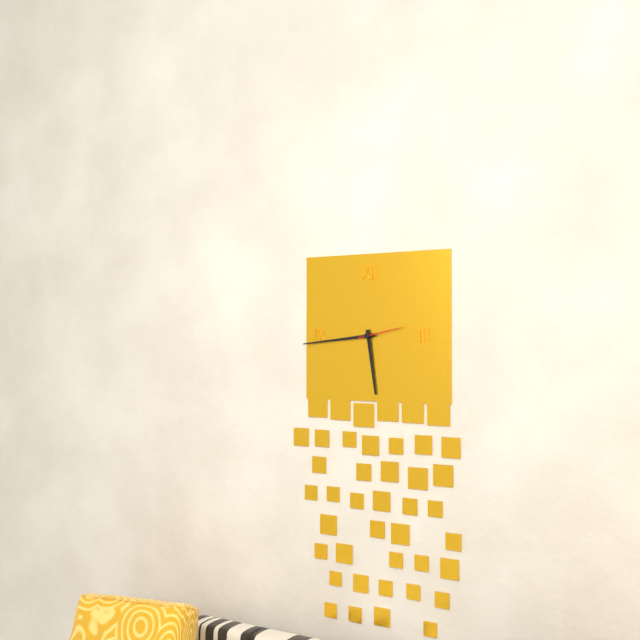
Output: 5h44
